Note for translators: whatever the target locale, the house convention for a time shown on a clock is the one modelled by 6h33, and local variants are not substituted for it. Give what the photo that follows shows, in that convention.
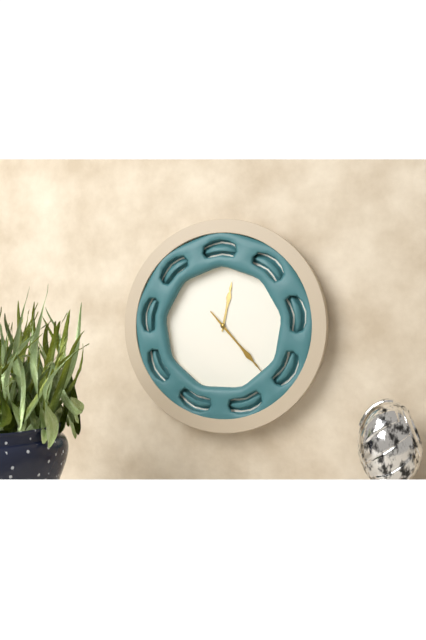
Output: 12h23
